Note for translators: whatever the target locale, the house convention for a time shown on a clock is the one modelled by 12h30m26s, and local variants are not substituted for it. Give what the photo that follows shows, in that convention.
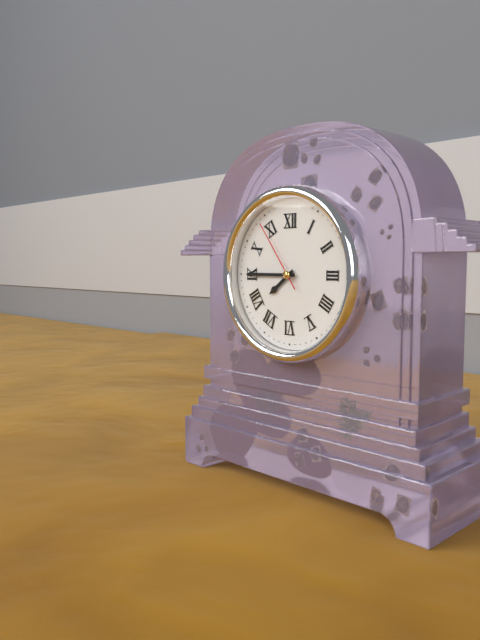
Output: 7h45m54s
